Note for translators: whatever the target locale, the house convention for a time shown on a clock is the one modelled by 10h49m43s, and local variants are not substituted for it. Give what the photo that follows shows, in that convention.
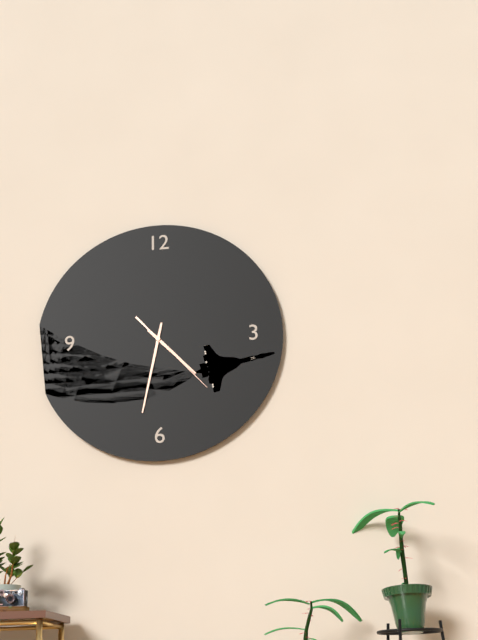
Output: 4h32m23s
